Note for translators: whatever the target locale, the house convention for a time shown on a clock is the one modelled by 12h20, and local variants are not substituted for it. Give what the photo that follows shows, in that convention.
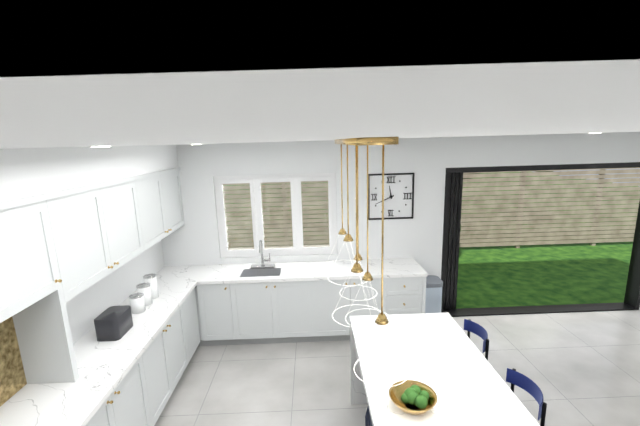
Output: 11h41
